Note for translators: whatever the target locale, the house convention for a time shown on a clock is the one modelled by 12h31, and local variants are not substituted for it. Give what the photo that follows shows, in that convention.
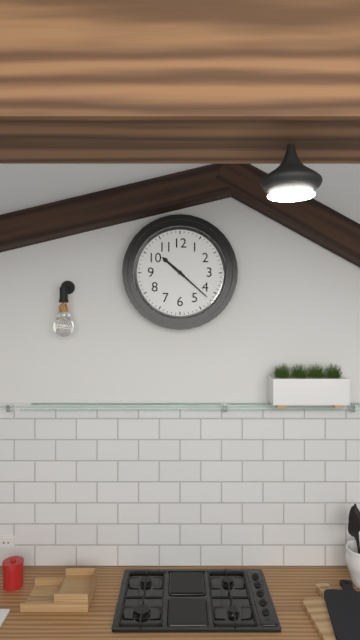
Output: 10h22
